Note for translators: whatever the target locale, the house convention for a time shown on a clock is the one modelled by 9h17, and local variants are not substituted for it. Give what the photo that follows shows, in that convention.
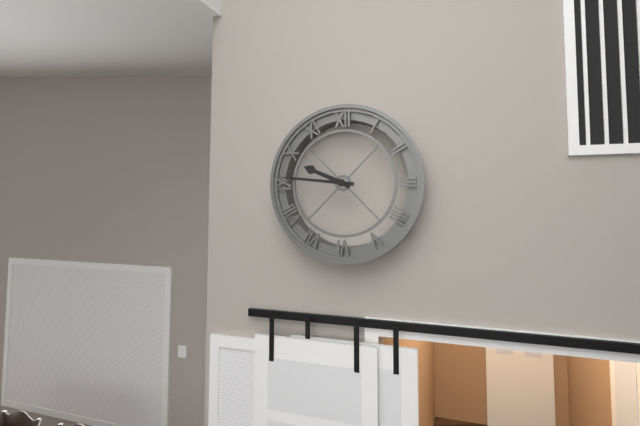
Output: 9h46
